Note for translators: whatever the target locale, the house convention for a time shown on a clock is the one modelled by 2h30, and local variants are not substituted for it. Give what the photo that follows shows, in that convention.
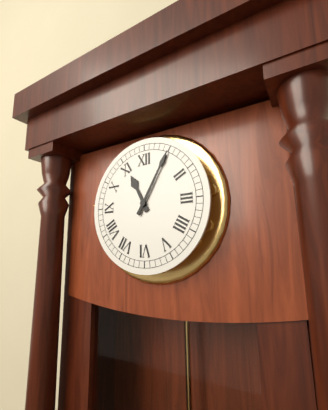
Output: 11h05
